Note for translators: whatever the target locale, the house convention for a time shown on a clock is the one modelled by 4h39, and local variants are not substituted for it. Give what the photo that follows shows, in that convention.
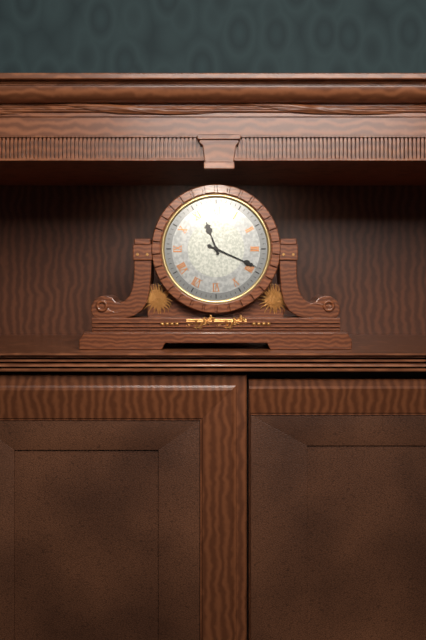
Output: 11h19
